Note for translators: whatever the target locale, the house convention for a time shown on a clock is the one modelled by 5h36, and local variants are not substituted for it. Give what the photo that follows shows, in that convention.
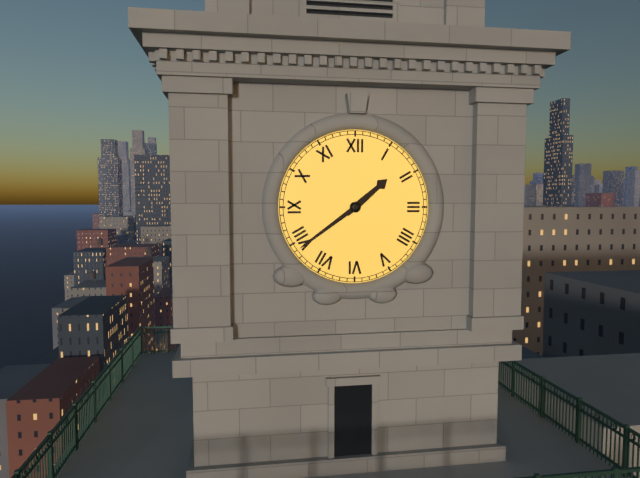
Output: 1h39
